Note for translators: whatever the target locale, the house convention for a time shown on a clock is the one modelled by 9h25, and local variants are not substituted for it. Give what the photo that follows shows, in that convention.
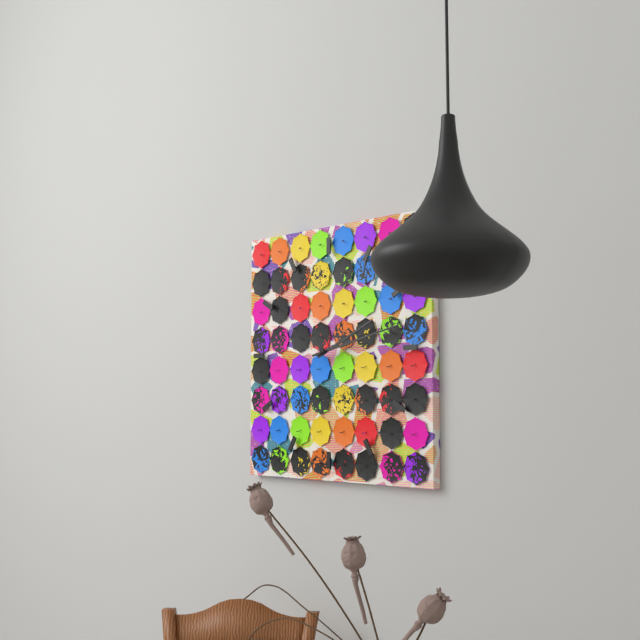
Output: 2h13
